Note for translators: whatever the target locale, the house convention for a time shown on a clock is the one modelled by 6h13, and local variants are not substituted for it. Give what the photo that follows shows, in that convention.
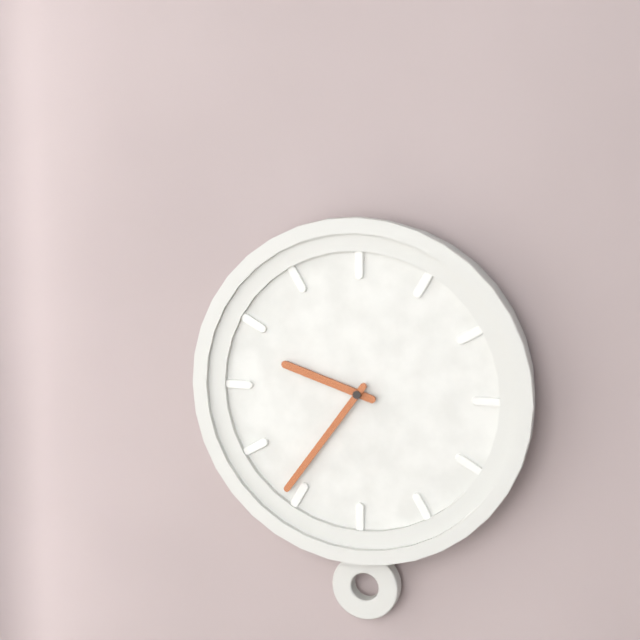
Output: 9h36
